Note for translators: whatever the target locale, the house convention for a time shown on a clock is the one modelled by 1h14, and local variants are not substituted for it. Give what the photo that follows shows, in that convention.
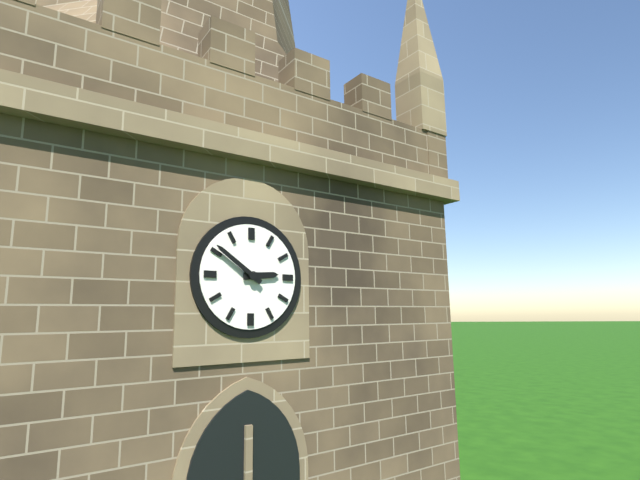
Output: 2h51
